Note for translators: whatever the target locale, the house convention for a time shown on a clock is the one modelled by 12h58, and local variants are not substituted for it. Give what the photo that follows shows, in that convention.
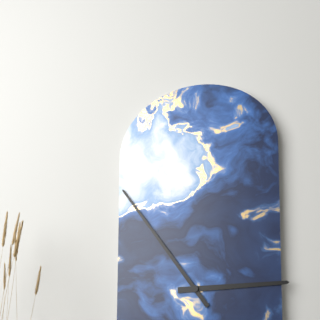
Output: 2h54
